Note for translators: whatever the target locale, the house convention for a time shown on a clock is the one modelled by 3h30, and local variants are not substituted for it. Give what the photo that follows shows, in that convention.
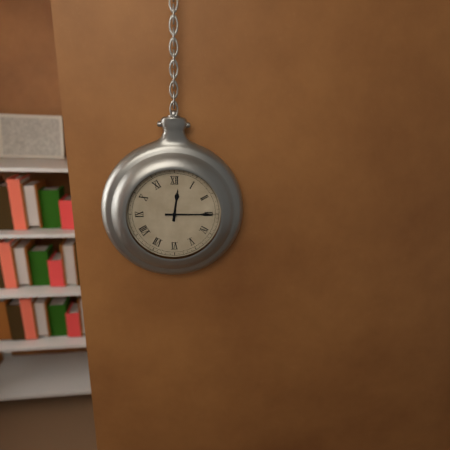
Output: 12h15
